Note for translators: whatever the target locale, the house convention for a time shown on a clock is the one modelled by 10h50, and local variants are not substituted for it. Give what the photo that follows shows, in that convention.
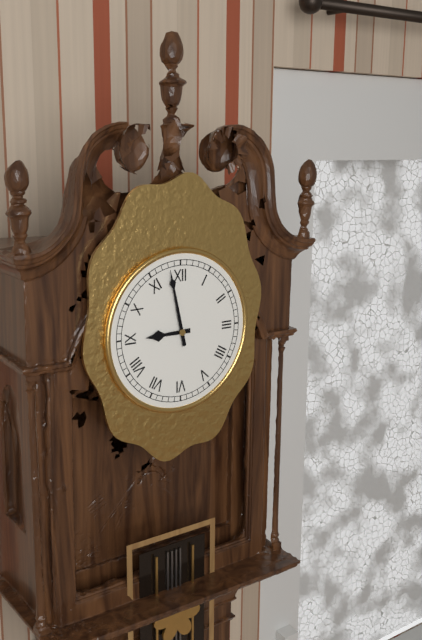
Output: 8h58
